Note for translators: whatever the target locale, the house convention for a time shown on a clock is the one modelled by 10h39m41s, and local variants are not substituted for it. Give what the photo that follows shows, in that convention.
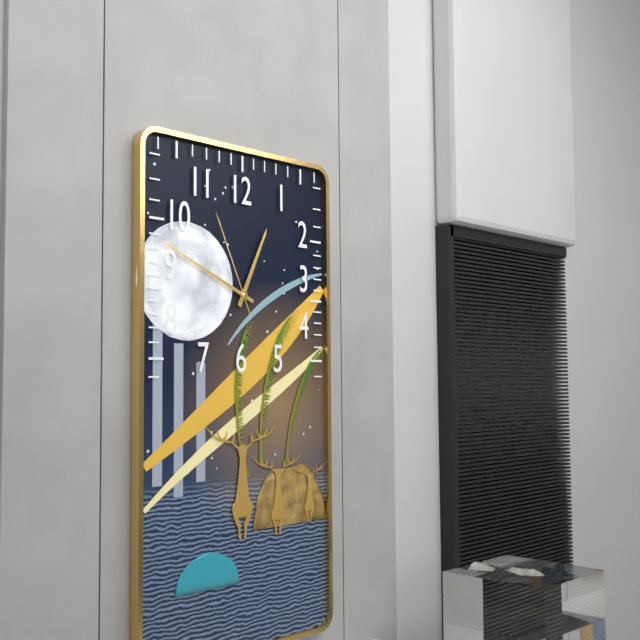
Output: 12h49m56s
